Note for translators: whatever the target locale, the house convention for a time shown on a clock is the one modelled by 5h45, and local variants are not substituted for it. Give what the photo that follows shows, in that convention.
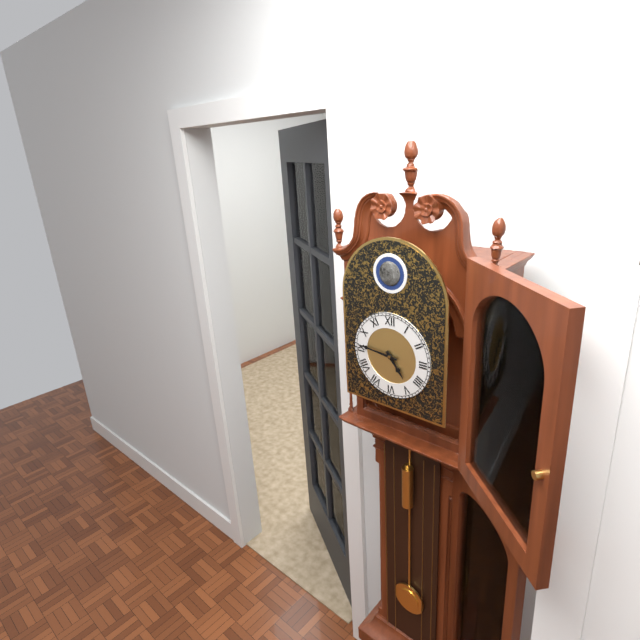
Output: 4h46
